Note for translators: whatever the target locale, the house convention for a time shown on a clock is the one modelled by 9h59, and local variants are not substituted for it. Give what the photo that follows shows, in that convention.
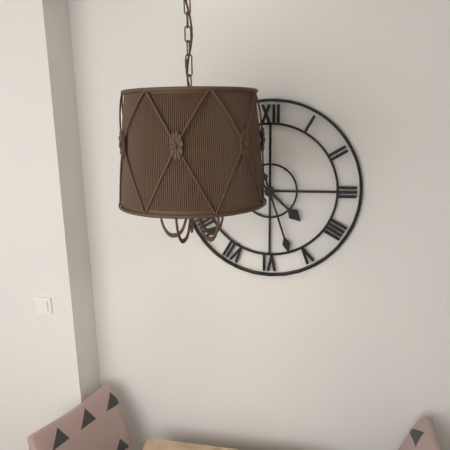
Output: 4h27
